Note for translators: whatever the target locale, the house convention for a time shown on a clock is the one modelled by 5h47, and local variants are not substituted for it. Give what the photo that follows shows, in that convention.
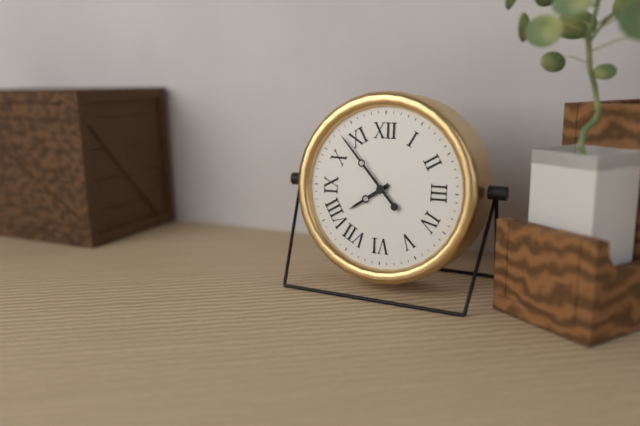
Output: 7h53
